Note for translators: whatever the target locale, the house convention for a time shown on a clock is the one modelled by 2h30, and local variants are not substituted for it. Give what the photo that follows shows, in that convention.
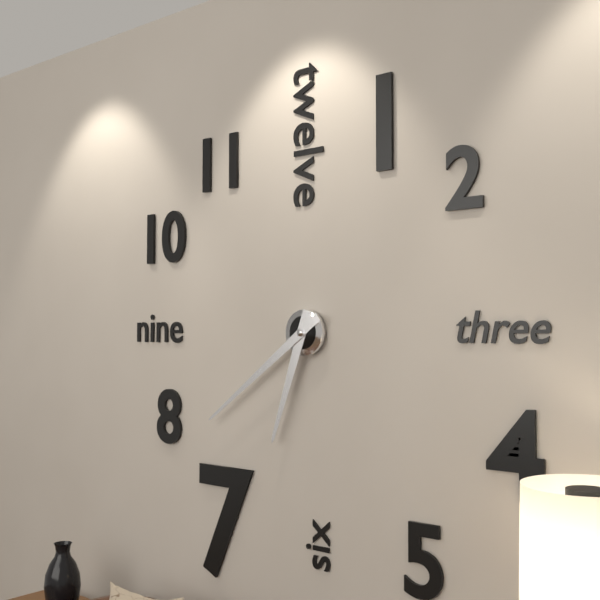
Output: 6h39
